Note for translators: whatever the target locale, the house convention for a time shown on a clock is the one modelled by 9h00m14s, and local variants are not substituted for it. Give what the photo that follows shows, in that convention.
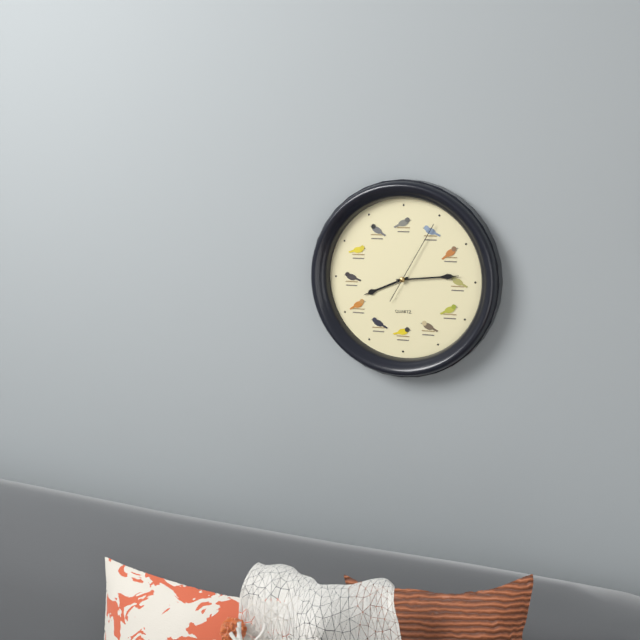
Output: 8h14m05s
